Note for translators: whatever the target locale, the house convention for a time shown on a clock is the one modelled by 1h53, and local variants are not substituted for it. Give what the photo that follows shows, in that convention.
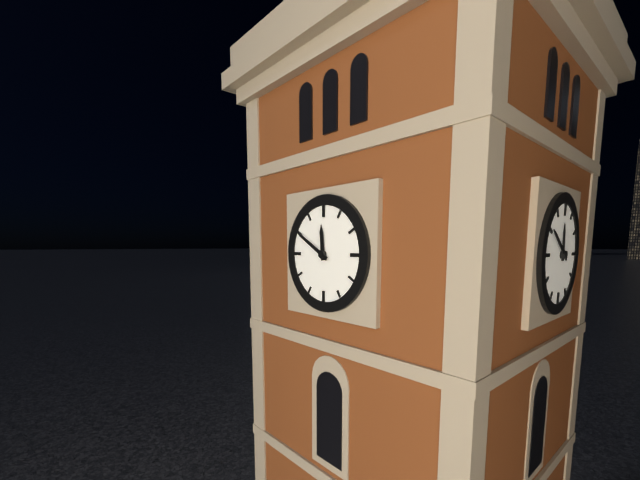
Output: 11h50
